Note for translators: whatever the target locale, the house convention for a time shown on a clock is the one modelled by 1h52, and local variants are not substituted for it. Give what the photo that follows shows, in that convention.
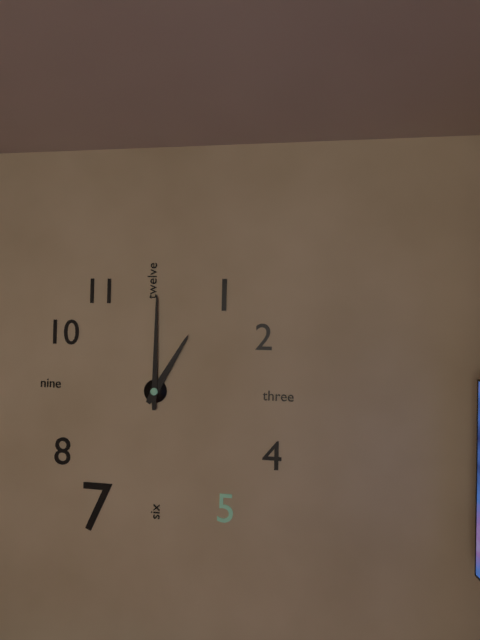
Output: 1h00
